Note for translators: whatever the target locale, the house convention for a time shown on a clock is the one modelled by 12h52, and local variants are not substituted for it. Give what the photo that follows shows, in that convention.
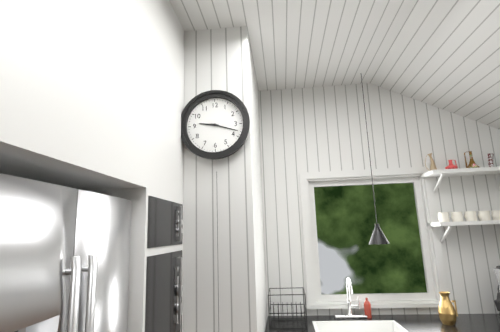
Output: 9h18
